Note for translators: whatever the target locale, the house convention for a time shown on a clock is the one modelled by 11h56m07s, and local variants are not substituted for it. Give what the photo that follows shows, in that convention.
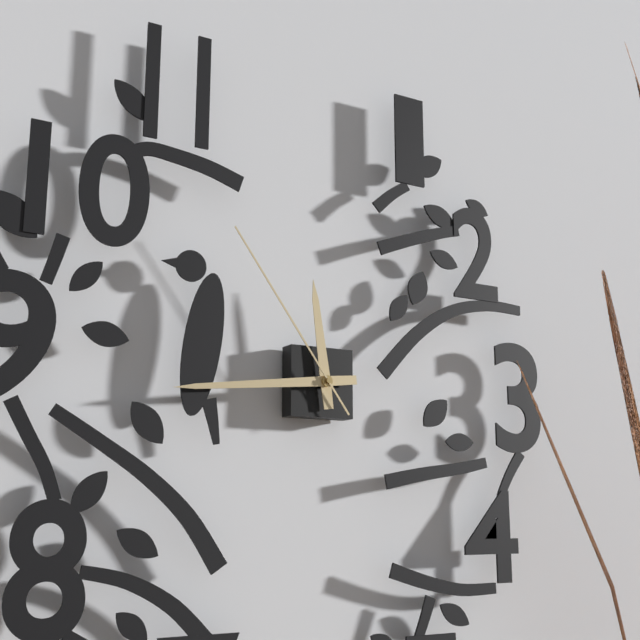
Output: 11h44m54s
